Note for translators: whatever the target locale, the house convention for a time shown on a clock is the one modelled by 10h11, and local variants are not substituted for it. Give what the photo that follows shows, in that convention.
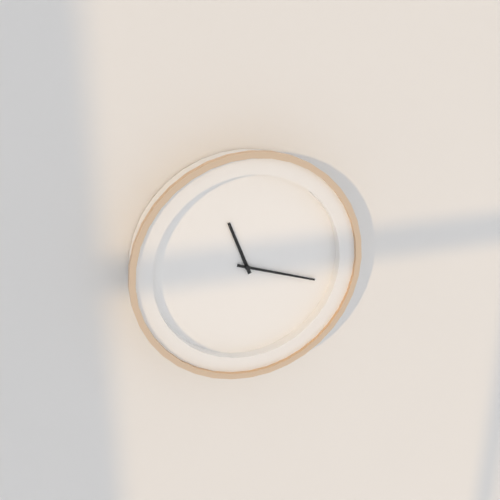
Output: 11h18
